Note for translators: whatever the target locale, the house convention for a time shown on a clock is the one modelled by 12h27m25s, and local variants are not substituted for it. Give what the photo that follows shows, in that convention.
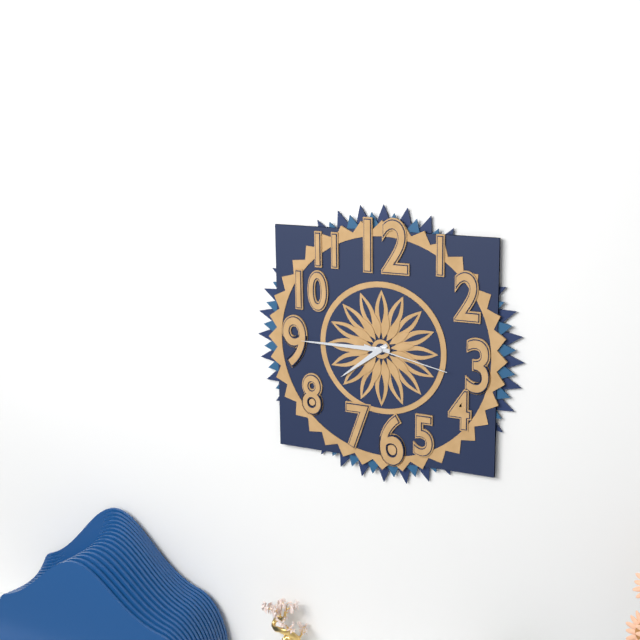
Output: 7h45m17s
